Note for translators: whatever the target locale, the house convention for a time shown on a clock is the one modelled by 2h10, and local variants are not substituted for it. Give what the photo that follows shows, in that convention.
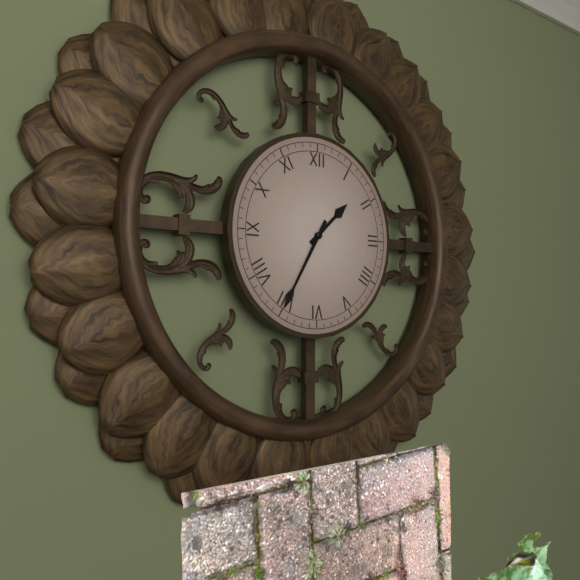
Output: 1h35
